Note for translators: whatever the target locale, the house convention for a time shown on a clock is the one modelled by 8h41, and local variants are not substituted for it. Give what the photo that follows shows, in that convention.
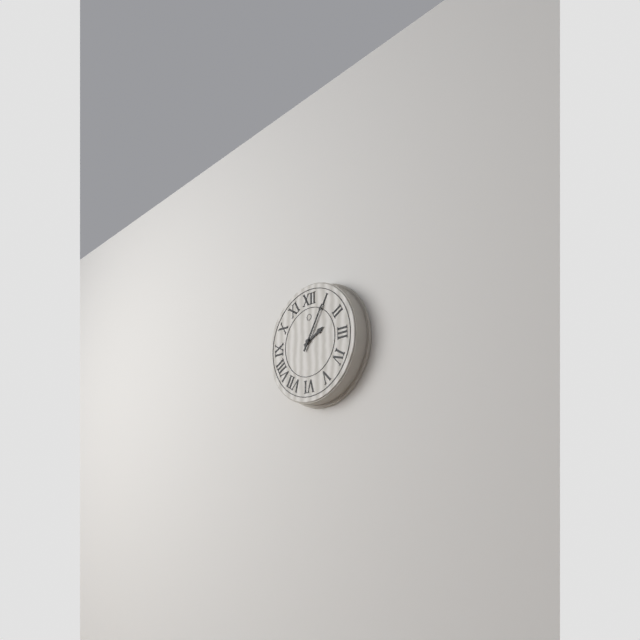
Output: 2h05
